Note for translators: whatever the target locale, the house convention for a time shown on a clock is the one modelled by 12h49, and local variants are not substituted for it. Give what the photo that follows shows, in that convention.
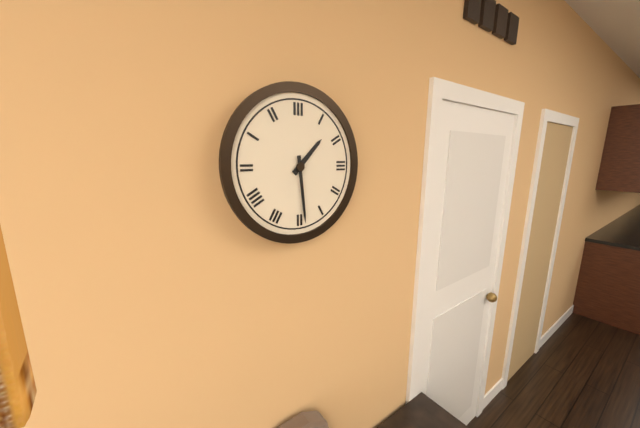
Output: 1h29
